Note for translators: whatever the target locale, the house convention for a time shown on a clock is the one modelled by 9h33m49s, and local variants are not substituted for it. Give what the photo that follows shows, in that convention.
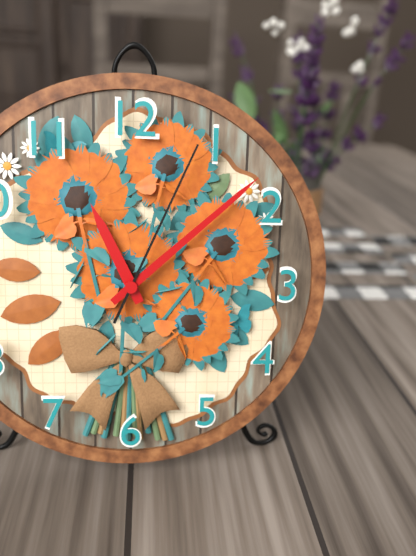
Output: 11h08m04s
